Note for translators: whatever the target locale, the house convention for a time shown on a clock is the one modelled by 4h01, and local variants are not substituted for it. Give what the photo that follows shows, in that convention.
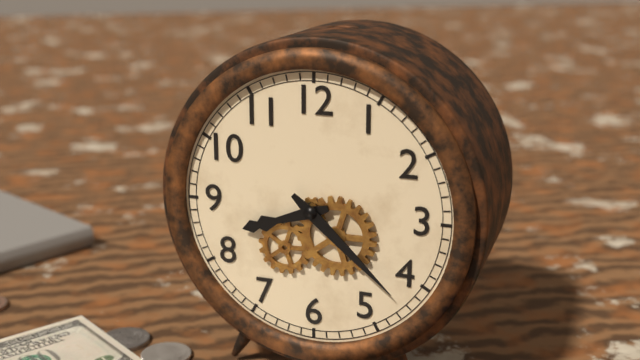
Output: 8h22
